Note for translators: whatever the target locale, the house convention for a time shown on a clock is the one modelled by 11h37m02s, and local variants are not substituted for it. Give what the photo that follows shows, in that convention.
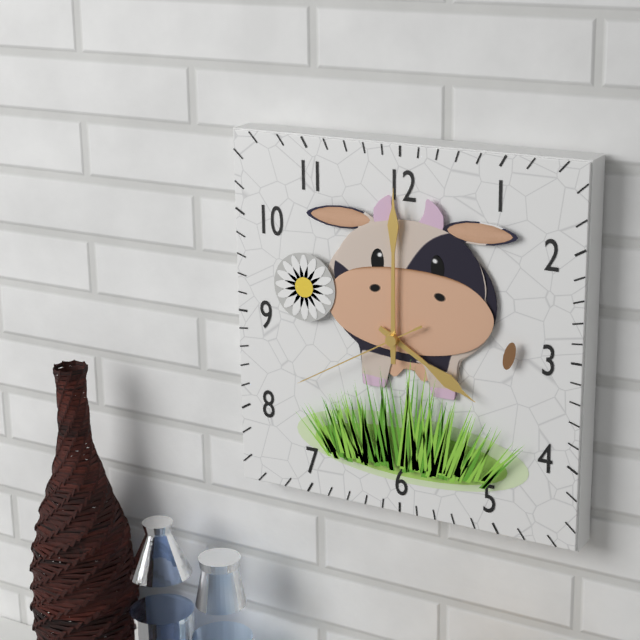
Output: 4h00m40s
